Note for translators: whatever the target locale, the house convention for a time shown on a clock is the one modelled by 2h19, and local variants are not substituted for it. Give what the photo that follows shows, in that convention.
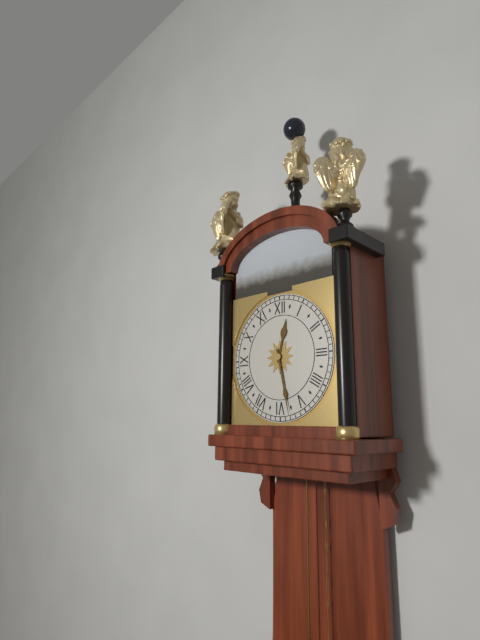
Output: 12h28
